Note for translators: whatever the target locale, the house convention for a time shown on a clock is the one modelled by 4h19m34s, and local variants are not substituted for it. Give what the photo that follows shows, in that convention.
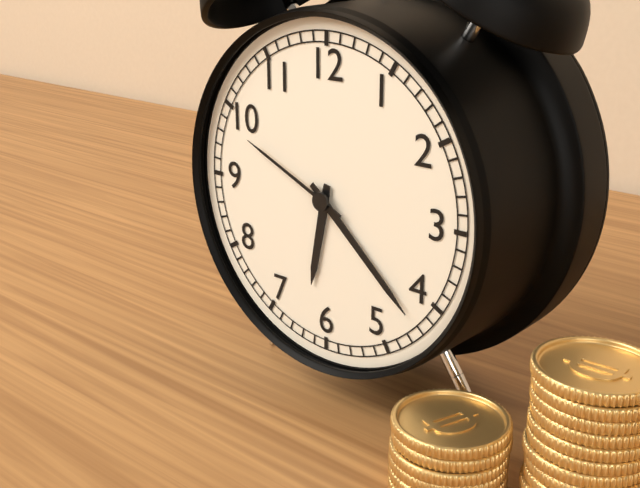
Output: 6h22m49s
